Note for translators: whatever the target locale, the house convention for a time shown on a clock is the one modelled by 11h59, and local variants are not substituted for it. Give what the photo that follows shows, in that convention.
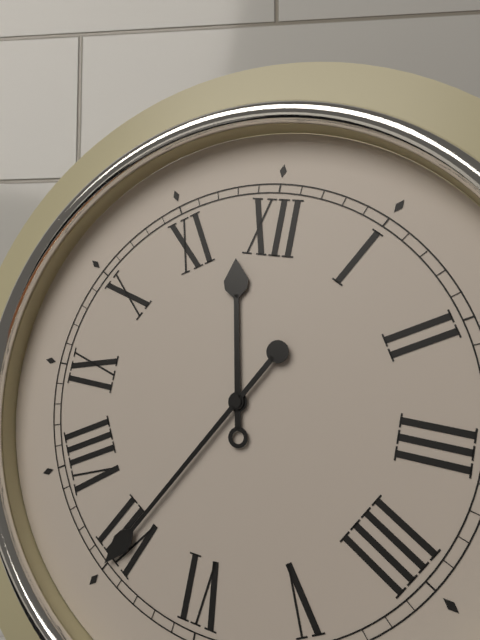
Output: 11h35
